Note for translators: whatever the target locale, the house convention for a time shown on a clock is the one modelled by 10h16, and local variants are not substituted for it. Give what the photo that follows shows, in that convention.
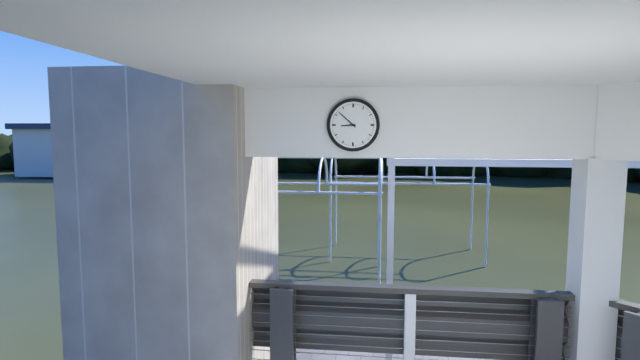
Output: 8h52
